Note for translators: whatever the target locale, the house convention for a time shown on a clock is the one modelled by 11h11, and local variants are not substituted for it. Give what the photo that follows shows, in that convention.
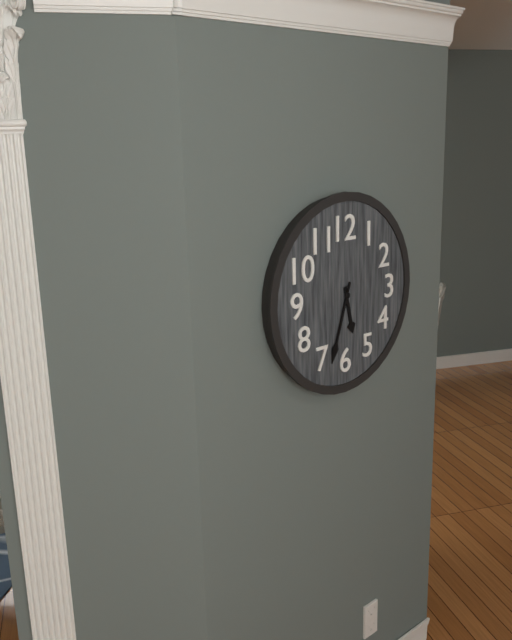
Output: 5h33
